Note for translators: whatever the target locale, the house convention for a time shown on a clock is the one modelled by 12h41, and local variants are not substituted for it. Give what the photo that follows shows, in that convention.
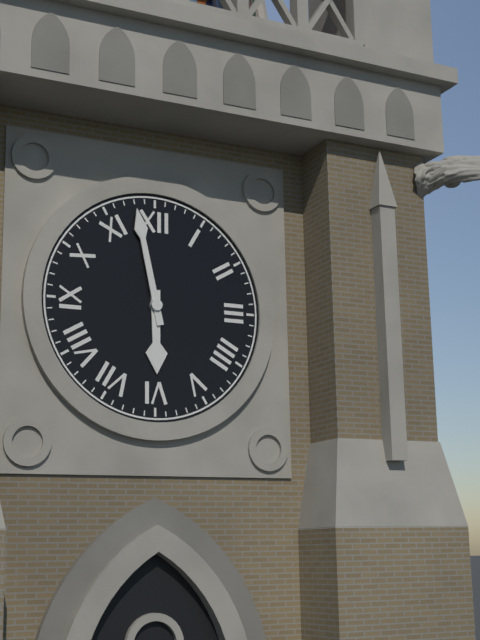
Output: 5h58
